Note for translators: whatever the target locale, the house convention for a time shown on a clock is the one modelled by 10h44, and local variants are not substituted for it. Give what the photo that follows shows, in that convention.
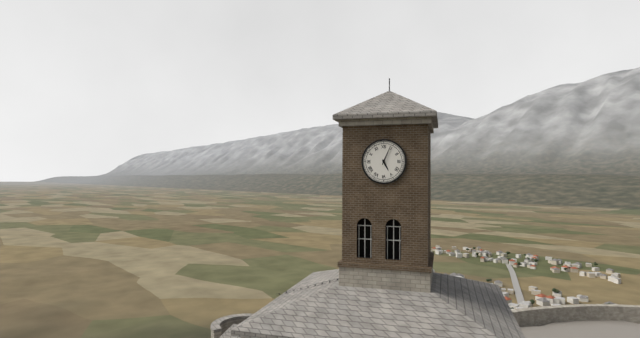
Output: 5h04
